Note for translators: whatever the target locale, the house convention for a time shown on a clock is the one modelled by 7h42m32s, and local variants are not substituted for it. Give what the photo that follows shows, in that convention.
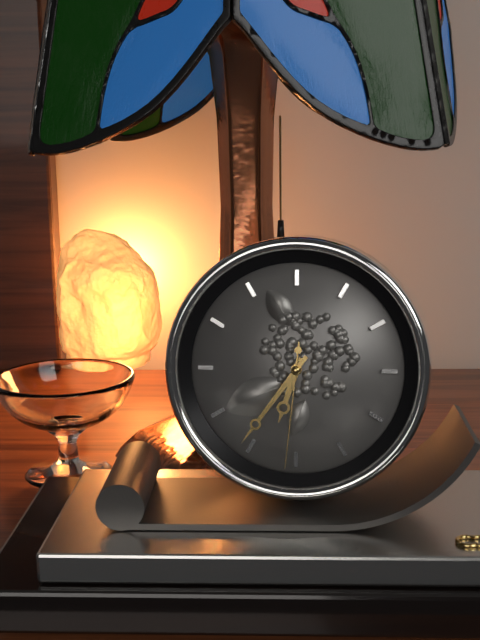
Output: 6h36m31s
